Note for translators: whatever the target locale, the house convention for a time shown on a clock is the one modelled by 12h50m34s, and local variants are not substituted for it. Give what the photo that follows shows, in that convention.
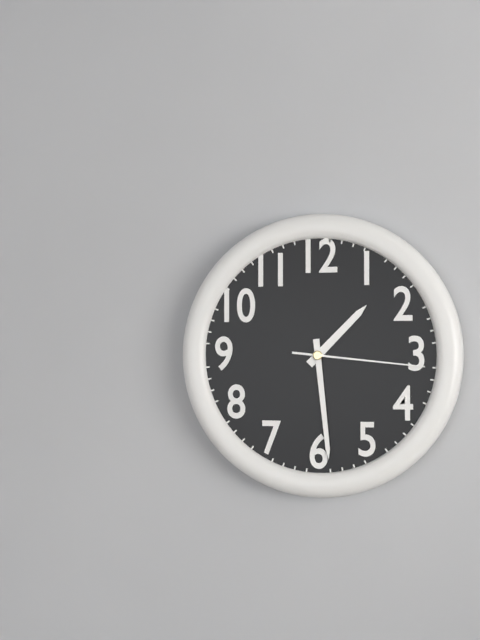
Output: 1h29m16s
